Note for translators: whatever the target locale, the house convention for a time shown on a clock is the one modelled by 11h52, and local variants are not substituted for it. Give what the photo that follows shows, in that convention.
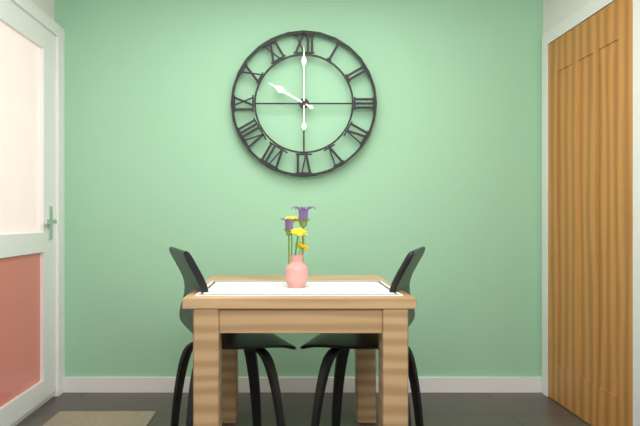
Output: 10h00
